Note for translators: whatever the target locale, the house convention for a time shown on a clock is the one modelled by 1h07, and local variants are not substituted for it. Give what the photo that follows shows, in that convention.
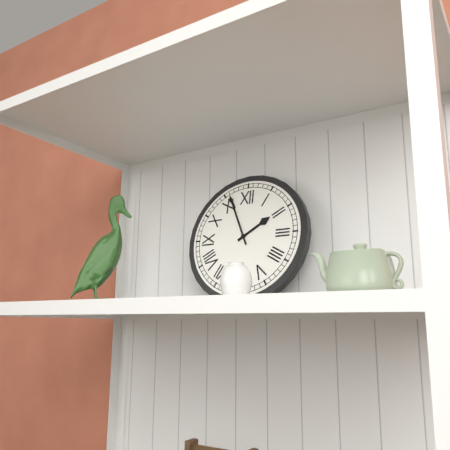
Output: 1h56
